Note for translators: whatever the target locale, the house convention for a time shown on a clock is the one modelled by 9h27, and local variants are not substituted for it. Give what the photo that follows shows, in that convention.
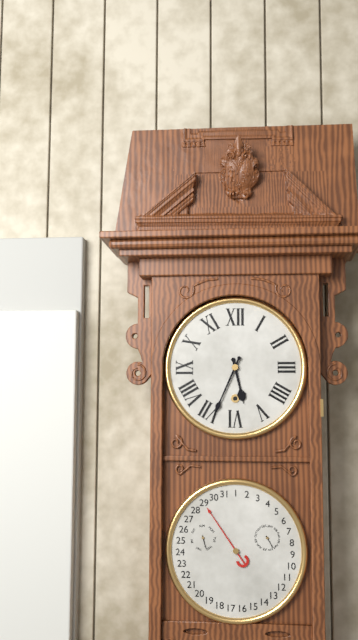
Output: 5h34
